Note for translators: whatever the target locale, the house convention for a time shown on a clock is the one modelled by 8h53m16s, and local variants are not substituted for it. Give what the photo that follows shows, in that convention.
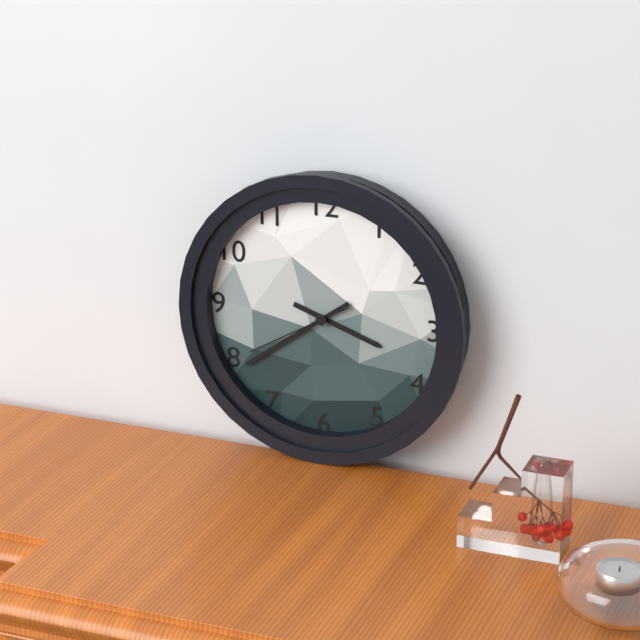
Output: 3h39m40s
